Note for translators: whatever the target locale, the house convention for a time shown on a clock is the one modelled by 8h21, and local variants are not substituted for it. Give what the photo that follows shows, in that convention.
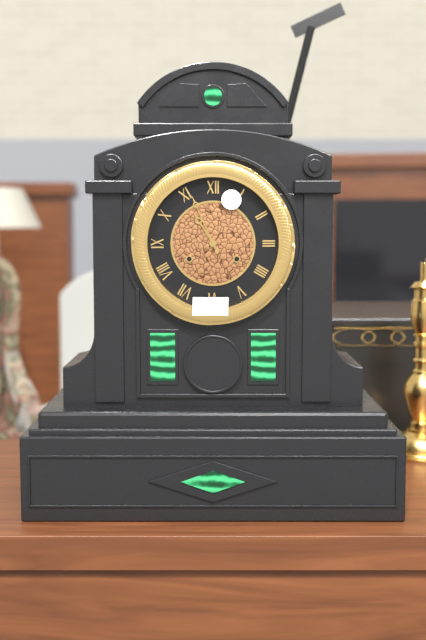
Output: 10h56
